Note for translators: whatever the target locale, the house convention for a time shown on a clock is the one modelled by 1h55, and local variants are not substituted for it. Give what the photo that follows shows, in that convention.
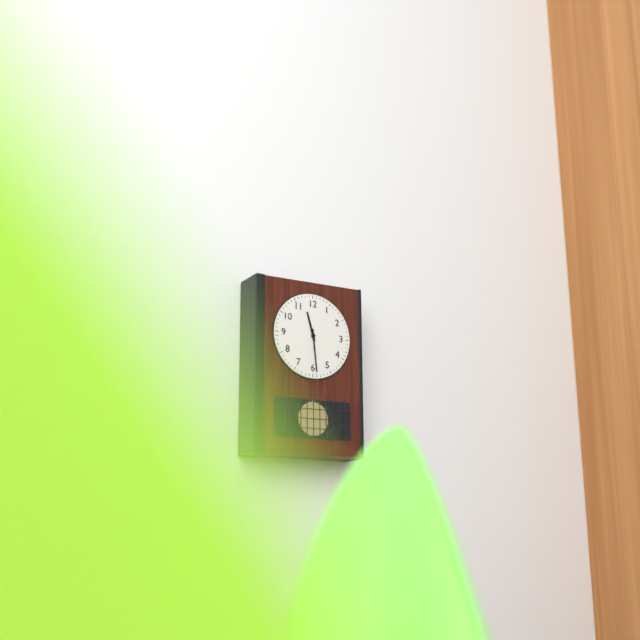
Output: 11h29
